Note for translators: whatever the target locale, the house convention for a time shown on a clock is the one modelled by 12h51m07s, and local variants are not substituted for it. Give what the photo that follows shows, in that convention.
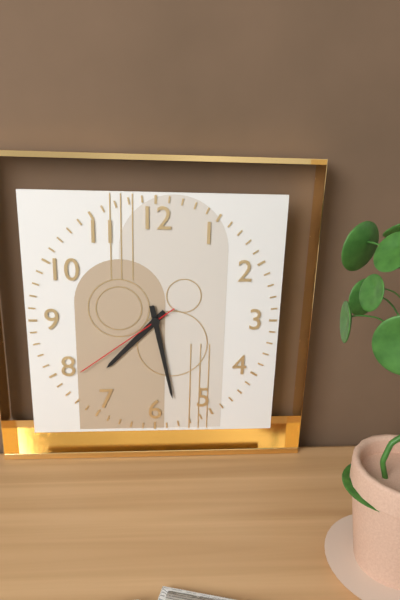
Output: 7h28m39s
